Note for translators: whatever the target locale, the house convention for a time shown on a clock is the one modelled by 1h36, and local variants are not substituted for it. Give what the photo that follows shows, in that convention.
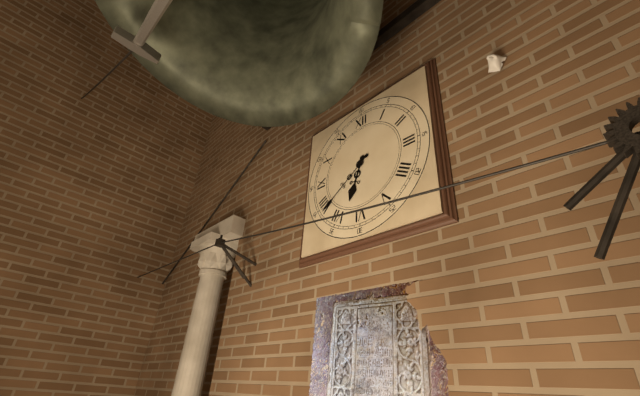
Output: 6h39
